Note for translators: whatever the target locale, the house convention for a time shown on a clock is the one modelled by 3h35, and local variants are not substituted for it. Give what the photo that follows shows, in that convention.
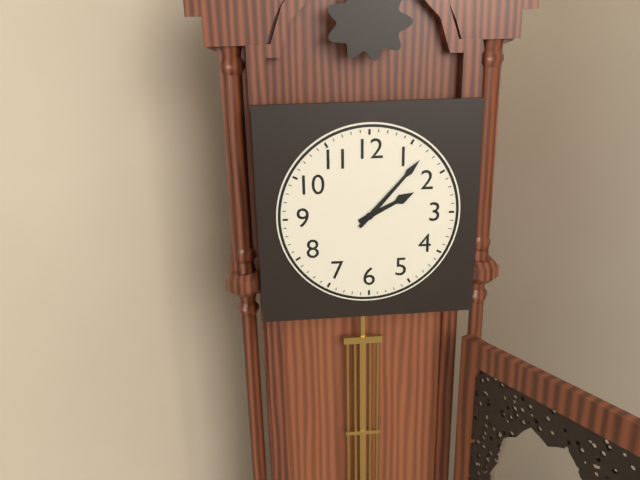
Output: 2h07
